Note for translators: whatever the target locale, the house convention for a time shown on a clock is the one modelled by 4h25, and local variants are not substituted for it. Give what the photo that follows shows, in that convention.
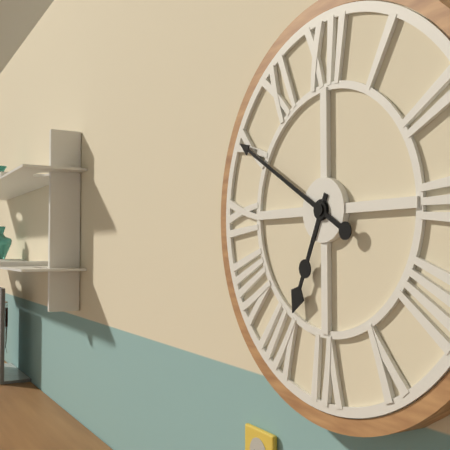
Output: 6h50
